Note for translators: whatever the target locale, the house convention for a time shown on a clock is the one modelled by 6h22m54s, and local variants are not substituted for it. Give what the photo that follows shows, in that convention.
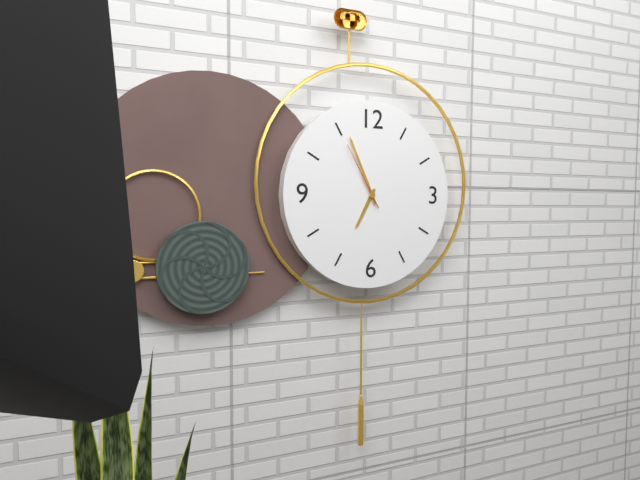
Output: 6h56m55s
